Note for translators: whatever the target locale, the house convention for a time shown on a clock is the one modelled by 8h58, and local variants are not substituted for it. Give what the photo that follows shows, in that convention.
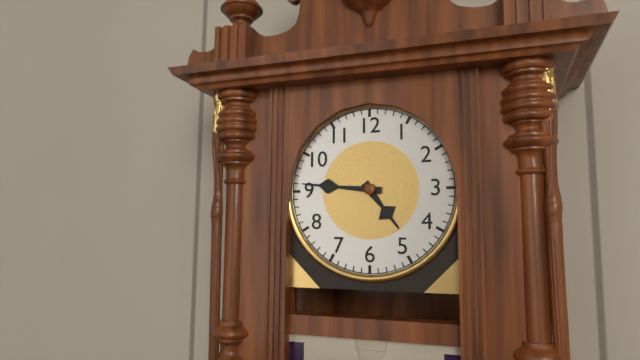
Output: 4h46
